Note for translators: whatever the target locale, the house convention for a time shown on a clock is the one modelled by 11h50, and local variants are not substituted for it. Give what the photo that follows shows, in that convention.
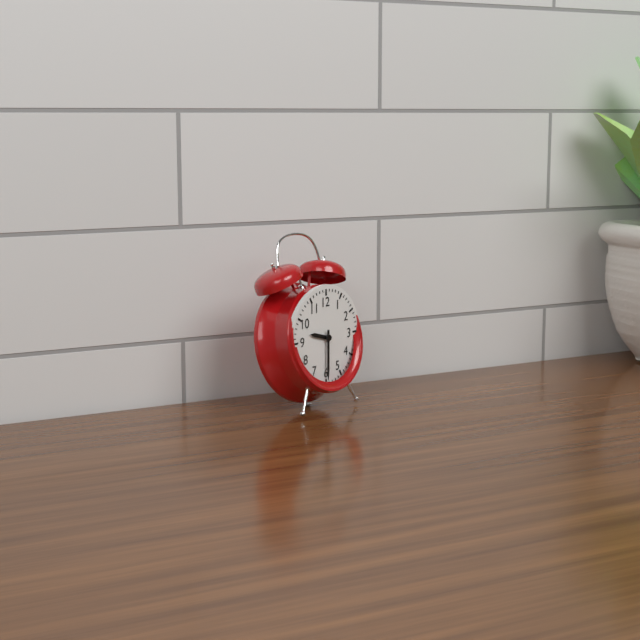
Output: 9h30
